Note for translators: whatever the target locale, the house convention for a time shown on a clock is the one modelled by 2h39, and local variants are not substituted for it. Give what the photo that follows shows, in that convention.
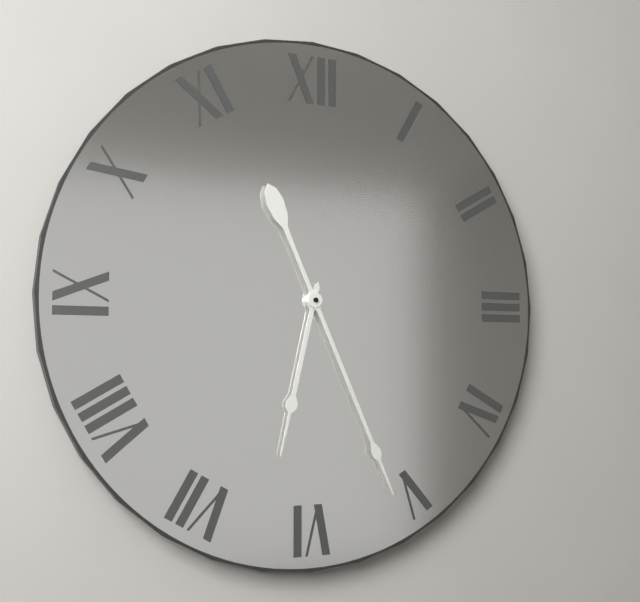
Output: 6h26
